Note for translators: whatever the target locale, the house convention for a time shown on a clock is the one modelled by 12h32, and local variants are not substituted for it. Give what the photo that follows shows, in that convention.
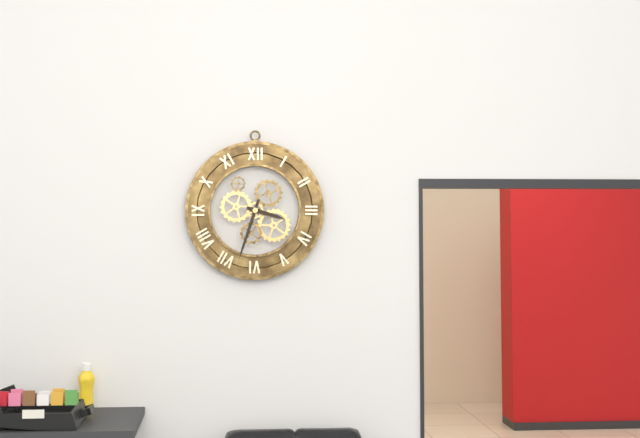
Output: 3h33
